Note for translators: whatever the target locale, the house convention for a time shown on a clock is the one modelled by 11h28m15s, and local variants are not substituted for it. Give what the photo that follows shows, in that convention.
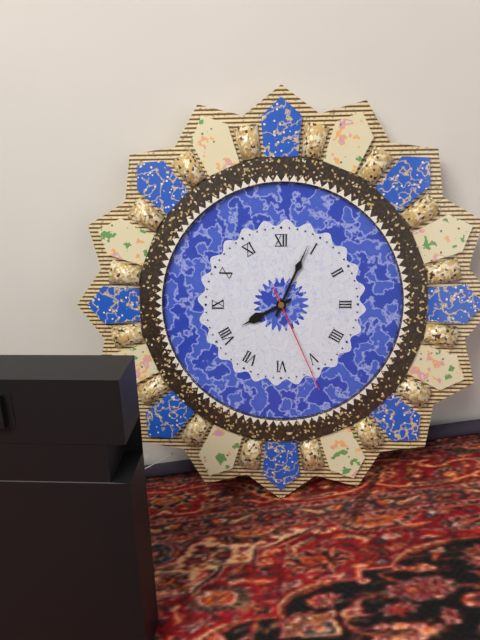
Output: 8h04m26s
